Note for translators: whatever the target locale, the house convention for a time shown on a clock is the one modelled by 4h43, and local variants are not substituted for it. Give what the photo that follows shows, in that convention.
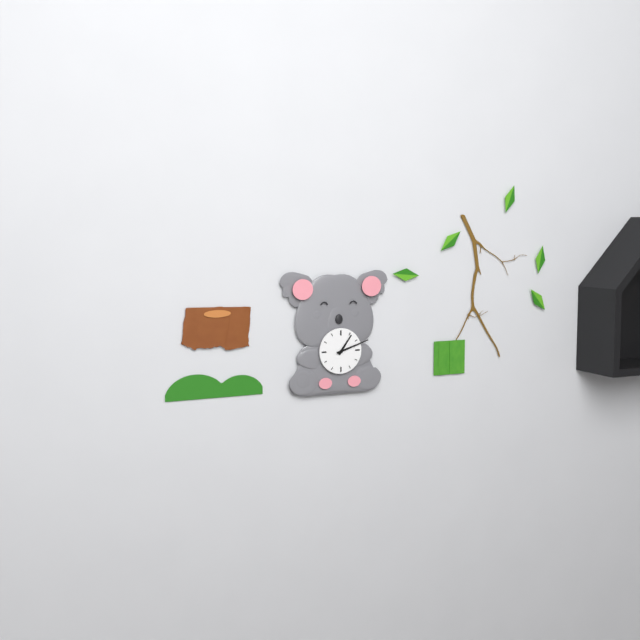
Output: 1h12
